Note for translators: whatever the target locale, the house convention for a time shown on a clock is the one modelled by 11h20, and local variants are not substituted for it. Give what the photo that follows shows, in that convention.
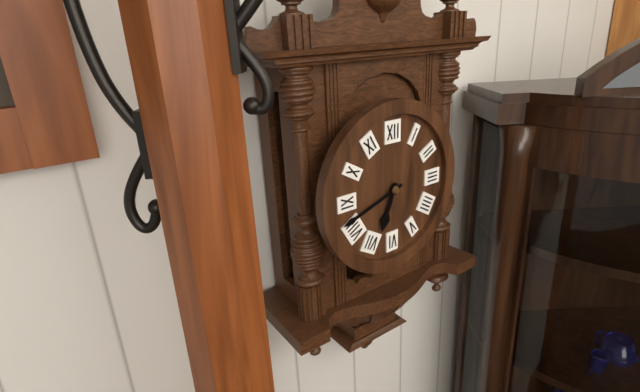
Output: 6h42
